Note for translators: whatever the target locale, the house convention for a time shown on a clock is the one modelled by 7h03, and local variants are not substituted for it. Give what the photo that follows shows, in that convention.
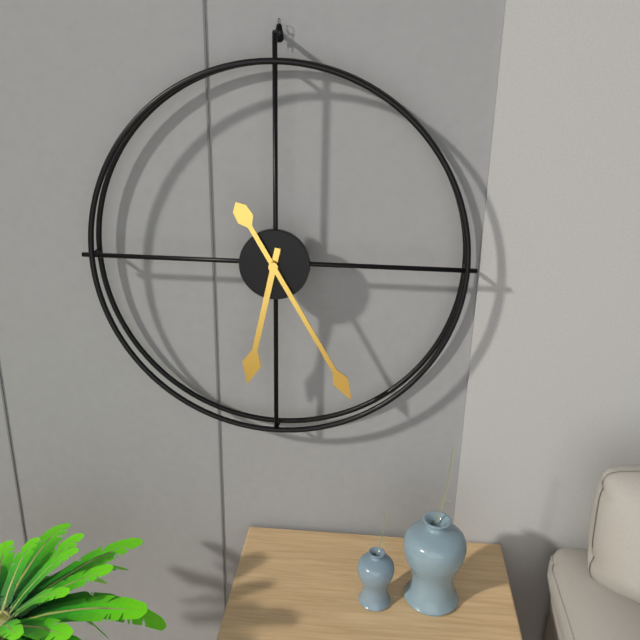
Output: 6h25
